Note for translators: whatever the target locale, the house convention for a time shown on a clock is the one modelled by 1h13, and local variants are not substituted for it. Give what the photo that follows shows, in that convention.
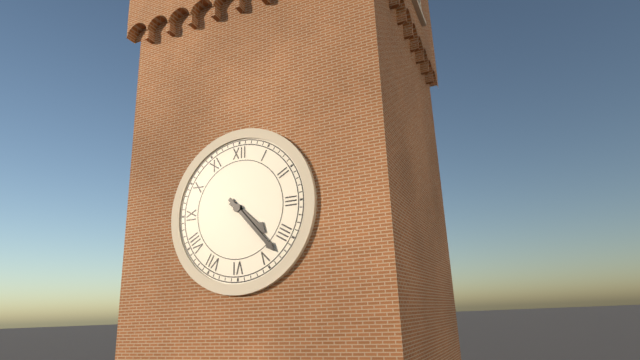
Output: 4h23
